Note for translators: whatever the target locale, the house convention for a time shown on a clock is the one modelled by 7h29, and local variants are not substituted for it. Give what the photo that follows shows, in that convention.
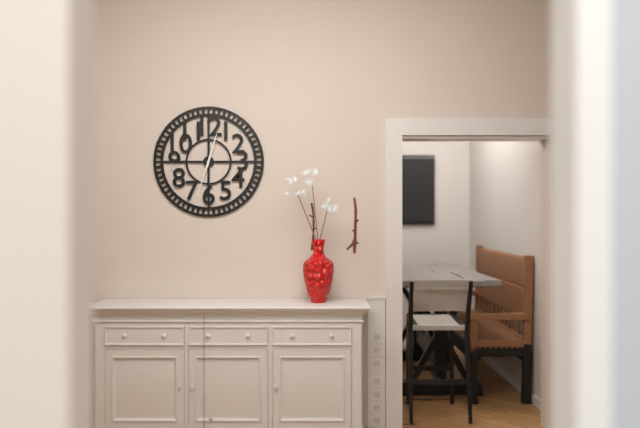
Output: 12h33
